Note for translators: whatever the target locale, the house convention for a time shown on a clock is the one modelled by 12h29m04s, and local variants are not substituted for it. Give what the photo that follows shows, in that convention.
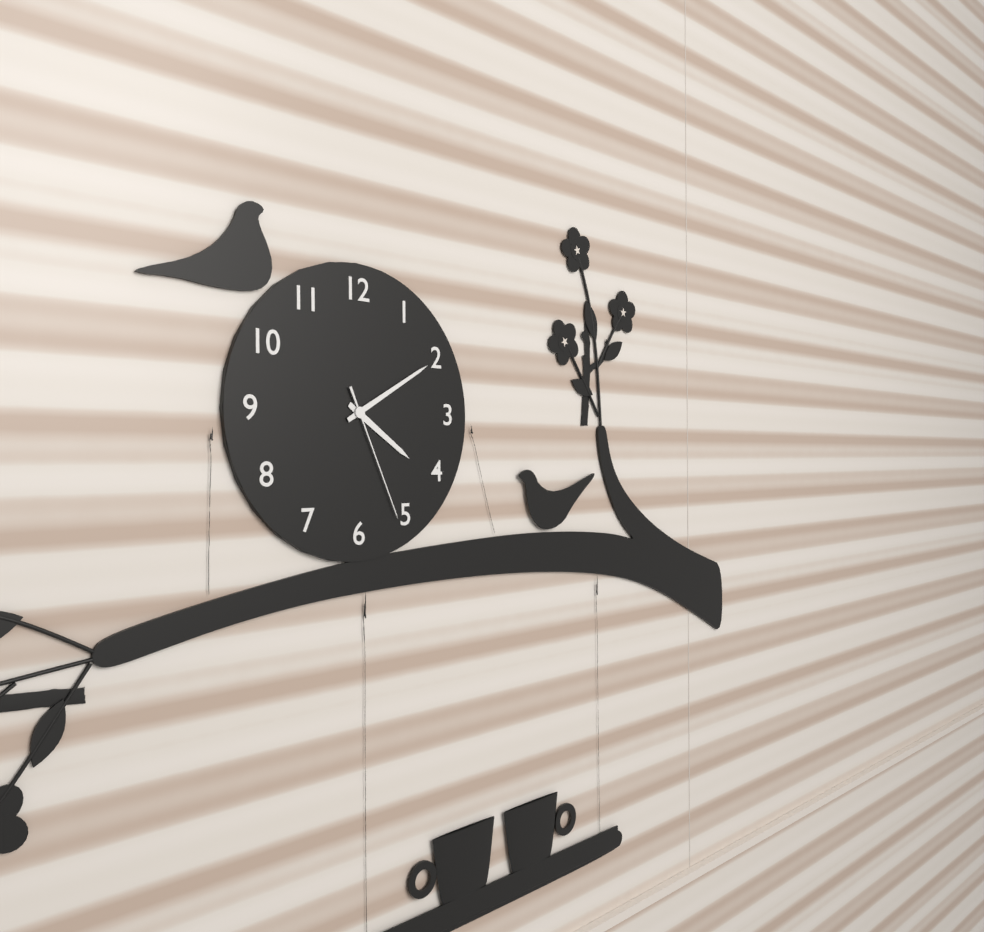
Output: 4h10m26s
